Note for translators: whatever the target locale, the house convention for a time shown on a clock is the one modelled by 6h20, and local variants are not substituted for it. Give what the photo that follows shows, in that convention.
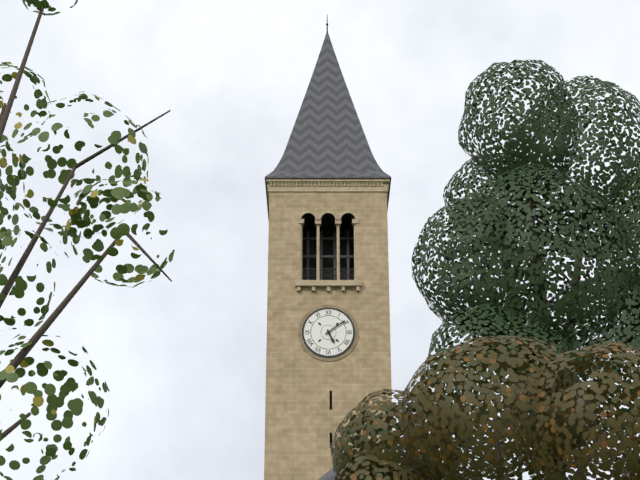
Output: 5h09
